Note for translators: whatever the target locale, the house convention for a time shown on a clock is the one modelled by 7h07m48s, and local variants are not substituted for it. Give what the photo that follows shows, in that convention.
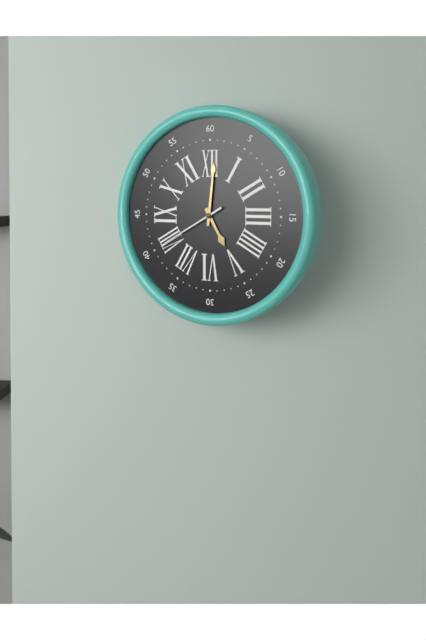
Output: 5h01m40s
